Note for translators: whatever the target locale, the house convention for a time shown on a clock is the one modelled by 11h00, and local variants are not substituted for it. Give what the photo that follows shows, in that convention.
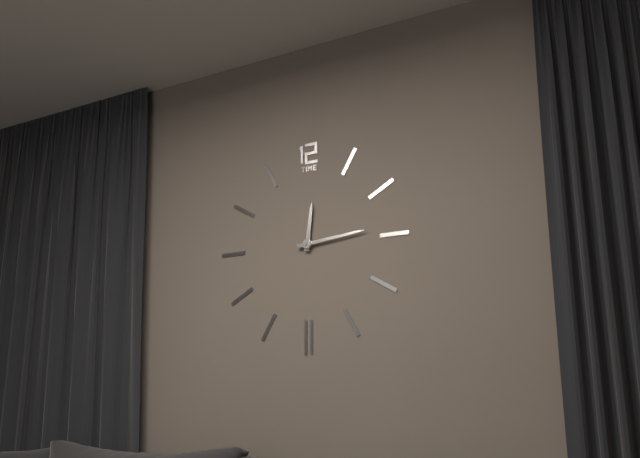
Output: 12h14
